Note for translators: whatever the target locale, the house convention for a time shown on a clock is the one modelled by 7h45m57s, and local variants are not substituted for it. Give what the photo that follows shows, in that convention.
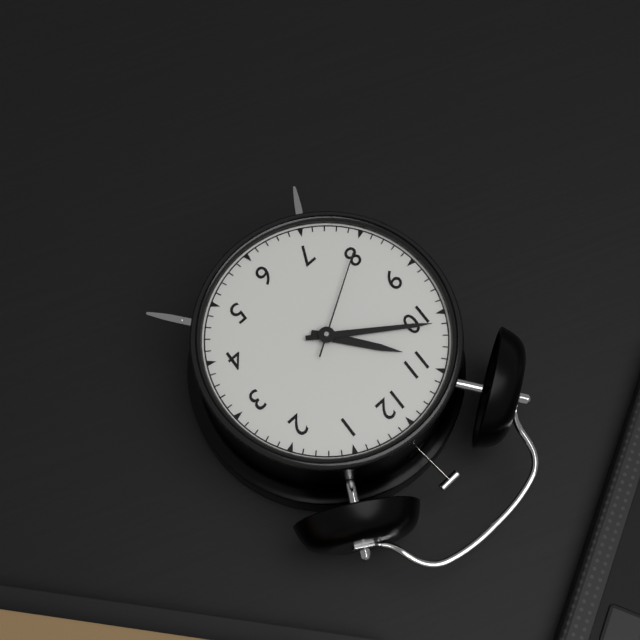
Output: 10h51m40s
